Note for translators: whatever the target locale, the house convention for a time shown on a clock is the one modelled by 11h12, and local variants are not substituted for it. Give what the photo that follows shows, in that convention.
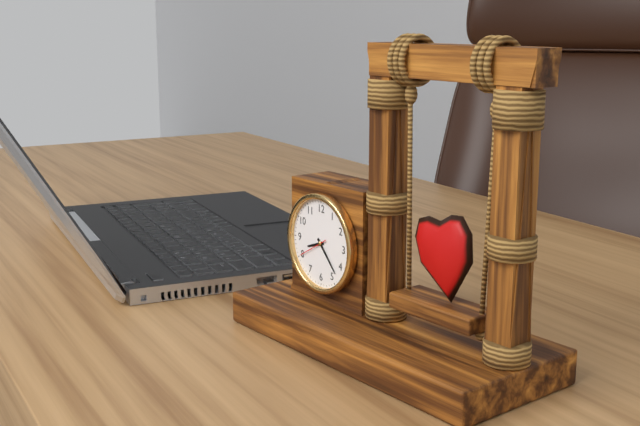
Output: 8h23
